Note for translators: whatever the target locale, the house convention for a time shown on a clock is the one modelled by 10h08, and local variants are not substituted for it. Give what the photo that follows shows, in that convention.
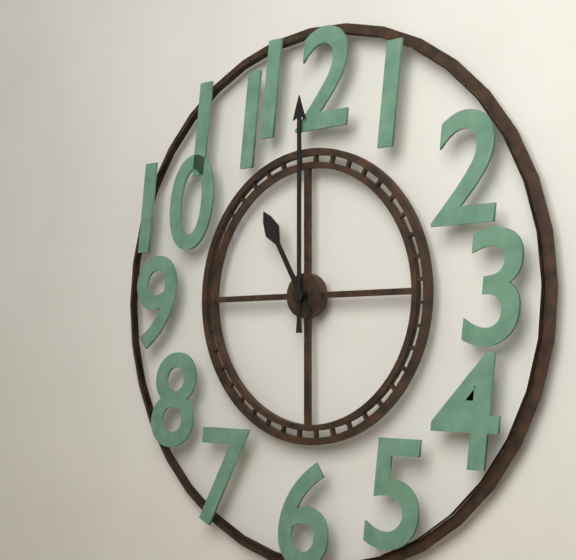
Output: 11h00
